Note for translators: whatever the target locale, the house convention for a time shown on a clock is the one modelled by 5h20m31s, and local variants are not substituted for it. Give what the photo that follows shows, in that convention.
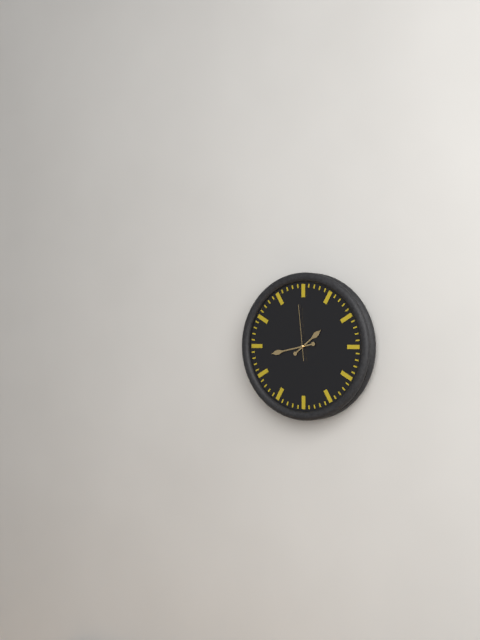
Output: 1h43m59s
